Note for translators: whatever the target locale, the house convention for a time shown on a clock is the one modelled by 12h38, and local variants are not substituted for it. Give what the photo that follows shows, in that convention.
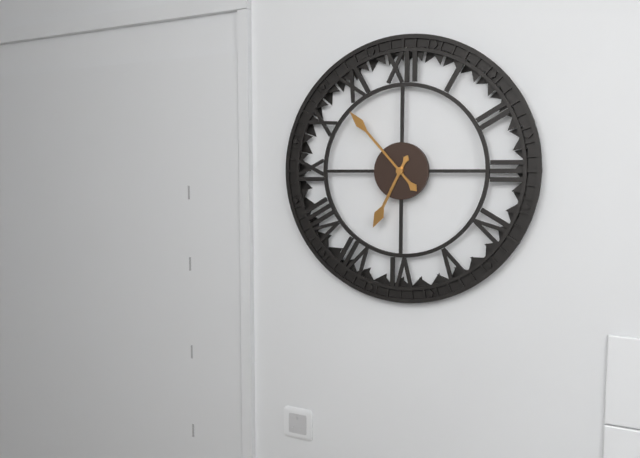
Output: 6h53
